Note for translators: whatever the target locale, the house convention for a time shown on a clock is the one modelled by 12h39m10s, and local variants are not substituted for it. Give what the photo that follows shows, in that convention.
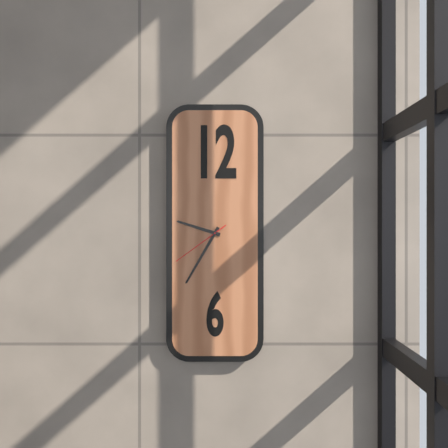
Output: 9h35m39s
